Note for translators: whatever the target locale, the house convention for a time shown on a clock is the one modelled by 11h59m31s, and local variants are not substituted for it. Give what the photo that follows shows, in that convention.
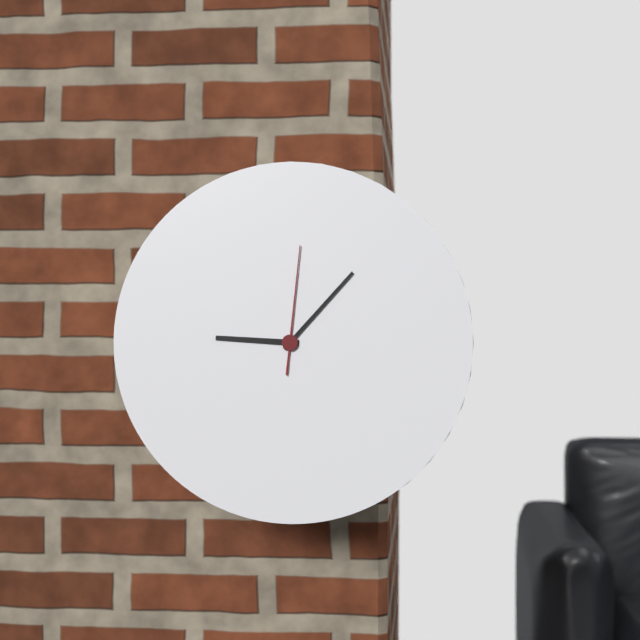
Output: 9h07m01s
